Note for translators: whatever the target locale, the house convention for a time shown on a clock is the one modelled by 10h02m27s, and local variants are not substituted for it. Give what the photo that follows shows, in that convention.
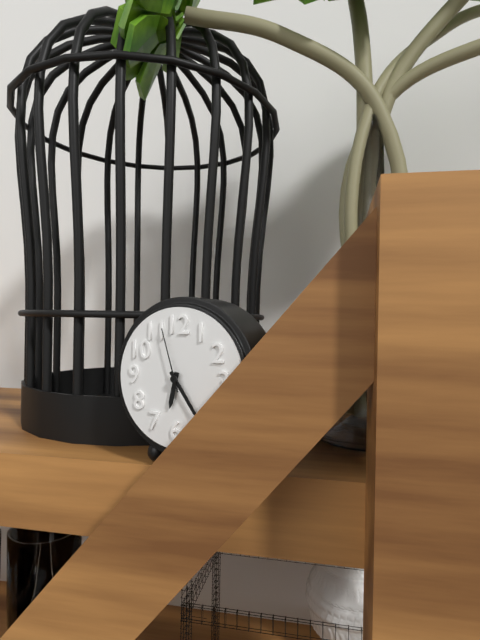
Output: 6h24m57s
